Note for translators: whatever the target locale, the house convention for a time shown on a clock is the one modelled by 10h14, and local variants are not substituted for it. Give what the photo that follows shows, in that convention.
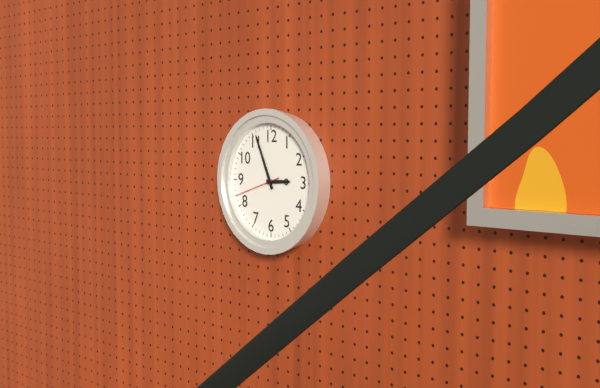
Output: 2h56
